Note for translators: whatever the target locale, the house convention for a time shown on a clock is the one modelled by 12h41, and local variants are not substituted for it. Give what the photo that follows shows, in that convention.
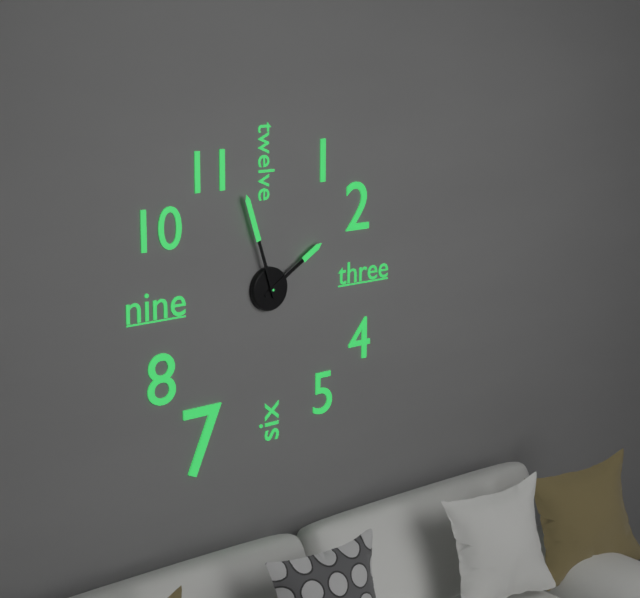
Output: 1h57
